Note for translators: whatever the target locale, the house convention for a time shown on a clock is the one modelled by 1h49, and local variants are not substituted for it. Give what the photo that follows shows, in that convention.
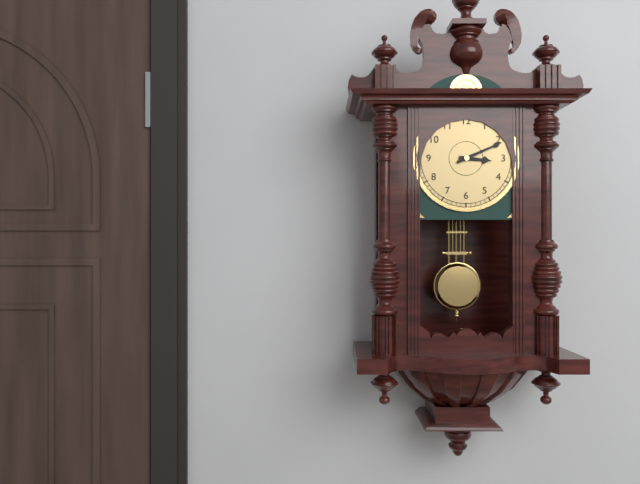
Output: 3h11
